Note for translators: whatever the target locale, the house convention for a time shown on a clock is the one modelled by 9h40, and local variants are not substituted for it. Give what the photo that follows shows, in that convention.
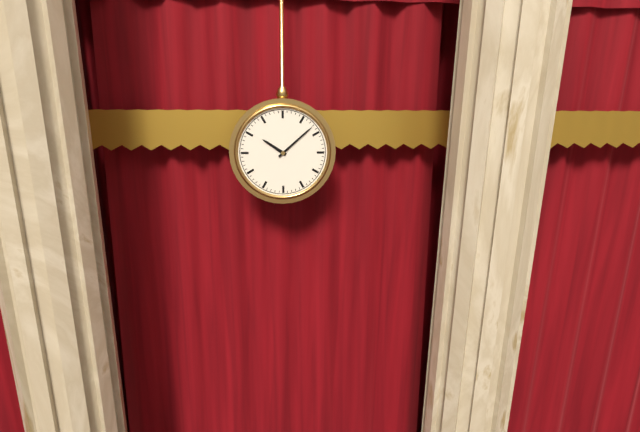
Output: 10h08
